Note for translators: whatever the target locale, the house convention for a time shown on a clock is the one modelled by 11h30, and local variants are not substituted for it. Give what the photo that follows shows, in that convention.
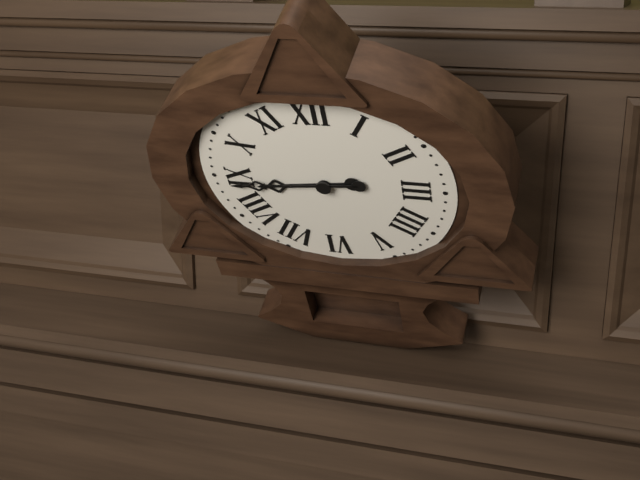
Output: 8h44
